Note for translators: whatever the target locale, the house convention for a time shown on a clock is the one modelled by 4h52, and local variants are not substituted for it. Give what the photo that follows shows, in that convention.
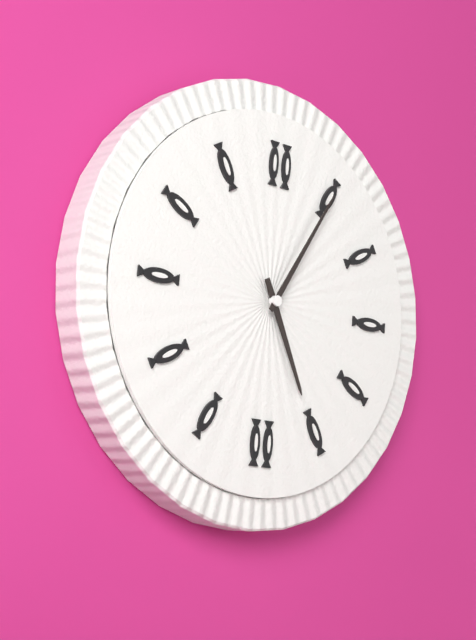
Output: 5h05
